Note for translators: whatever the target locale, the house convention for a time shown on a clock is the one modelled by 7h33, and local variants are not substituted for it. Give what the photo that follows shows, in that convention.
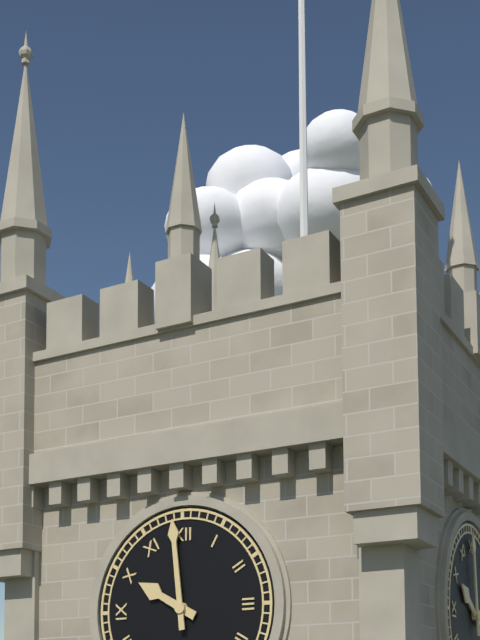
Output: 9h59
